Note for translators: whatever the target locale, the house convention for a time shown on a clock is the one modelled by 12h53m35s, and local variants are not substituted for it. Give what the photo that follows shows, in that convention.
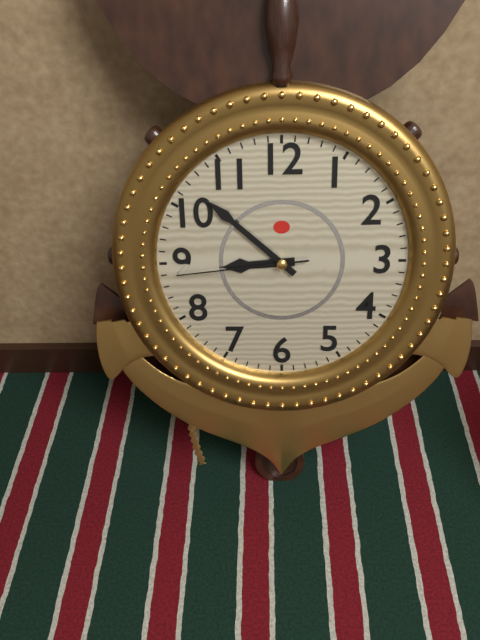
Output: 8h52m44s
